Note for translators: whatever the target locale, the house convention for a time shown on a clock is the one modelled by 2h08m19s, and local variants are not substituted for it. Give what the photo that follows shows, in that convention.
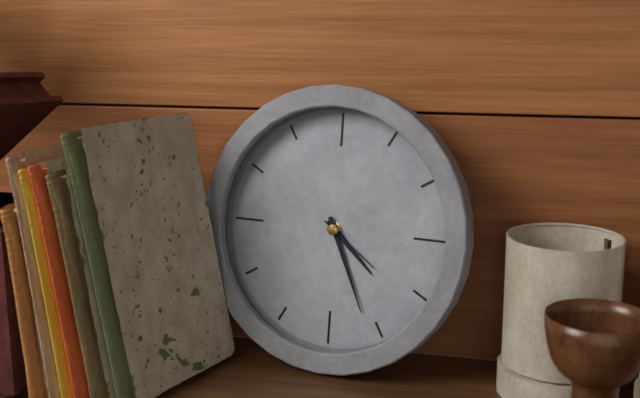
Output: 4h26m21s
